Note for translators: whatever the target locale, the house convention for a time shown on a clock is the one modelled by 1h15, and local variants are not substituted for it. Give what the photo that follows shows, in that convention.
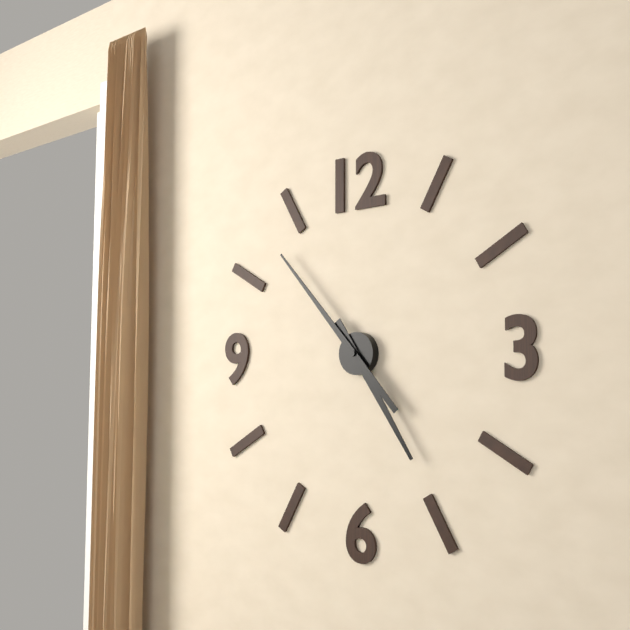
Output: 4h53
